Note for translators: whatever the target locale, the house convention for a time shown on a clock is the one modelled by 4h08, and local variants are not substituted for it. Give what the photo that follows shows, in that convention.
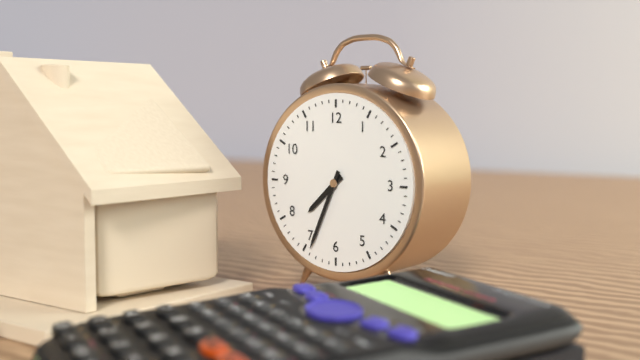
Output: 7h34
